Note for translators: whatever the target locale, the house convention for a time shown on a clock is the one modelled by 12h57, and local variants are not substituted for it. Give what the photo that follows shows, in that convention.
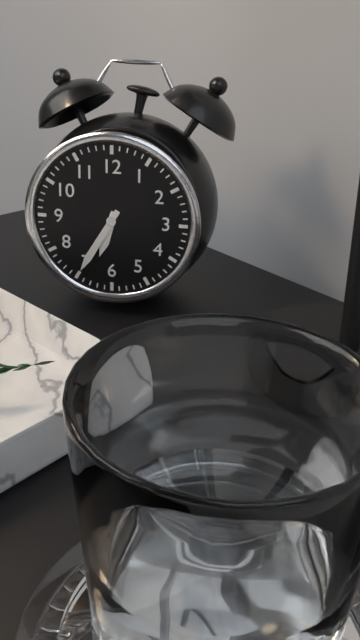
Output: 6h35
